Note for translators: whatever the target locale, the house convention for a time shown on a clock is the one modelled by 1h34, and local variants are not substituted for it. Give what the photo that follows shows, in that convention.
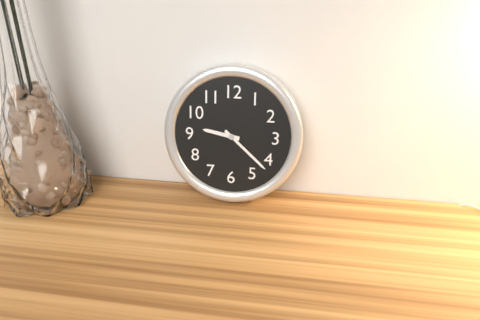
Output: 9h22
